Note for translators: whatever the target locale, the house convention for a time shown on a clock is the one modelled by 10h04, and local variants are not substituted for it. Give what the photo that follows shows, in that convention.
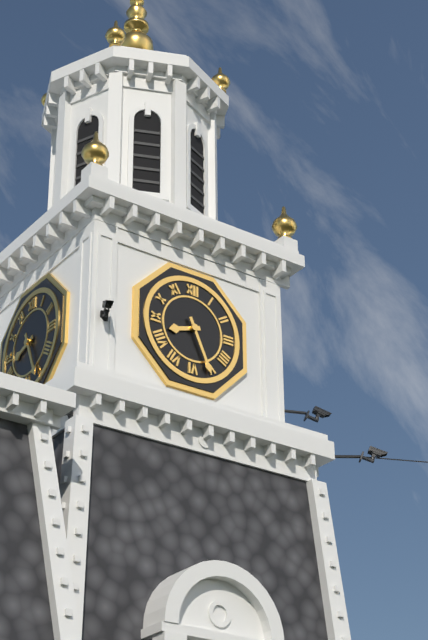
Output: 8h26
